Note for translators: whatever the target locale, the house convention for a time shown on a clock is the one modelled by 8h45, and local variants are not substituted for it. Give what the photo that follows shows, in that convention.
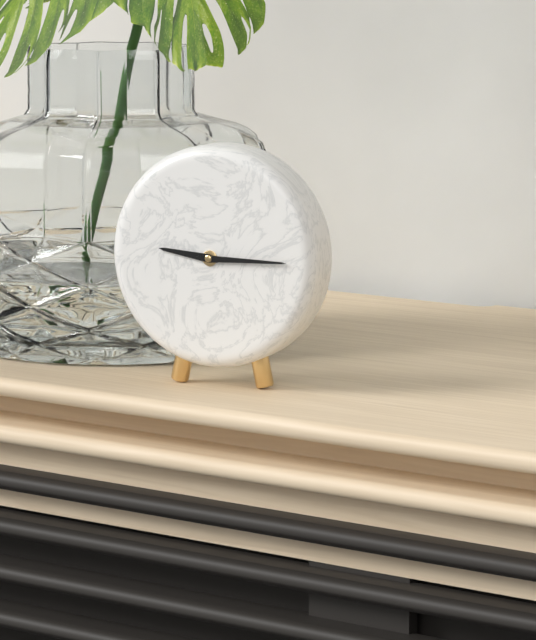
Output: 9h15
